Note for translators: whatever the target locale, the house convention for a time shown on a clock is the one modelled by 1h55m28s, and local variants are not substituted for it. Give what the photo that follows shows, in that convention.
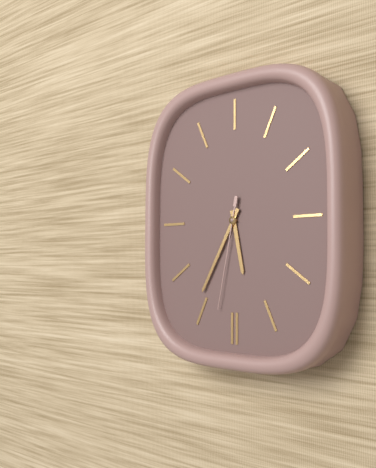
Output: 5h35m32s
